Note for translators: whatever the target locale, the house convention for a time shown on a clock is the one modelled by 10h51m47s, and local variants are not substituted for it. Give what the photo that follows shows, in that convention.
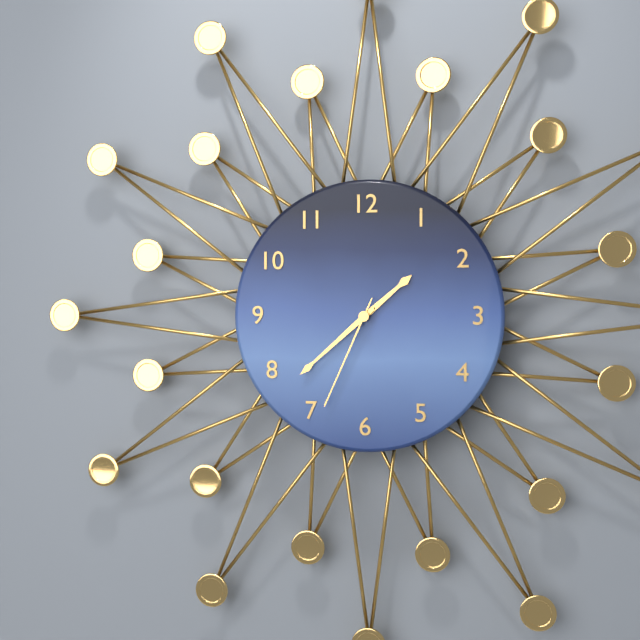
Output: 1h38m34s
